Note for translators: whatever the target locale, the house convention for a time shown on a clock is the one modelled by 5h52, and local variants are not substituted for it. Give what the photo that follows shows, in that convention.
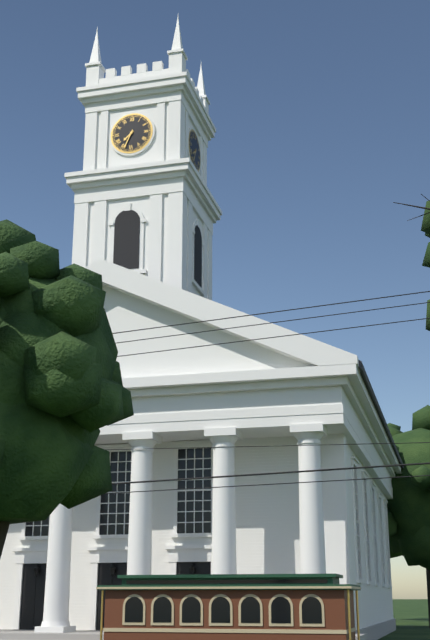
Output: 7h34
